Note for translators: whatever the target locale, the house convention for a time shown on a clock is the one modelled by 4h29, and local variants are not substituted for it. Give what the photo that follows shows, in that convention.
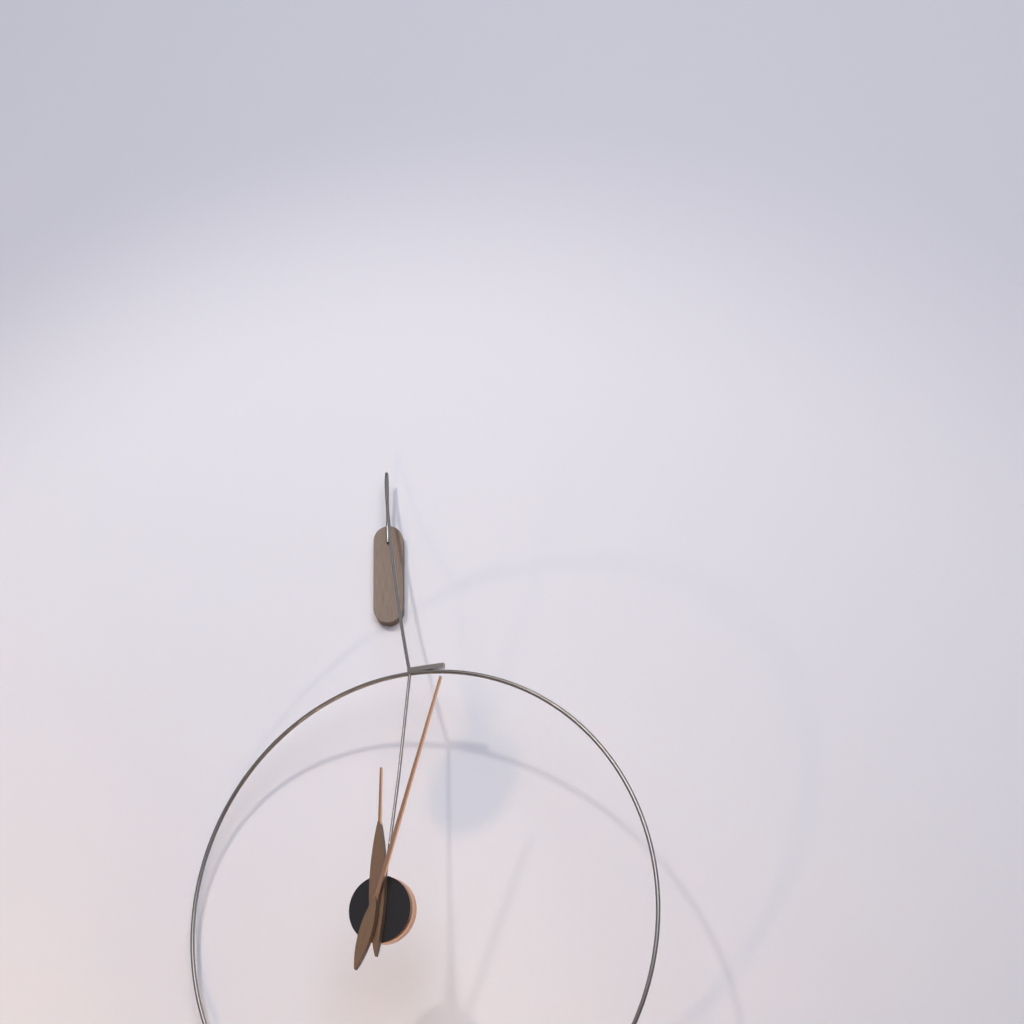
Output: 12h03
